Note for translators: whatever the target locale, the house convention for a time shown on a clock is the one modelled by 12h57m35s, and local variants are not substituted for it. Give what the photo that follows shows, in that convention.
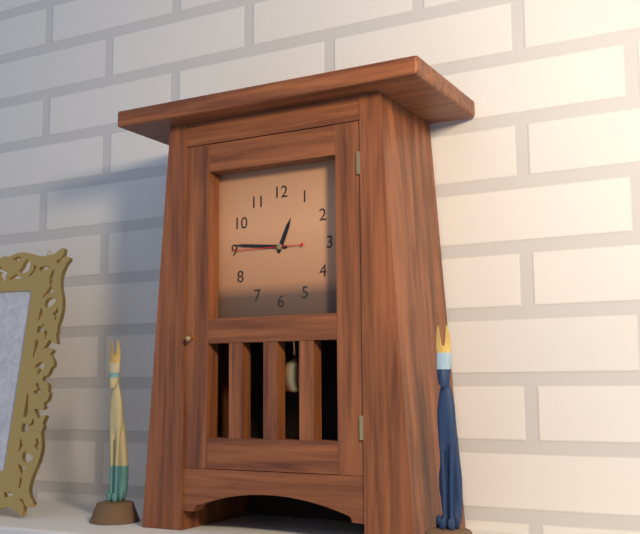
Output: 12h46m45s
